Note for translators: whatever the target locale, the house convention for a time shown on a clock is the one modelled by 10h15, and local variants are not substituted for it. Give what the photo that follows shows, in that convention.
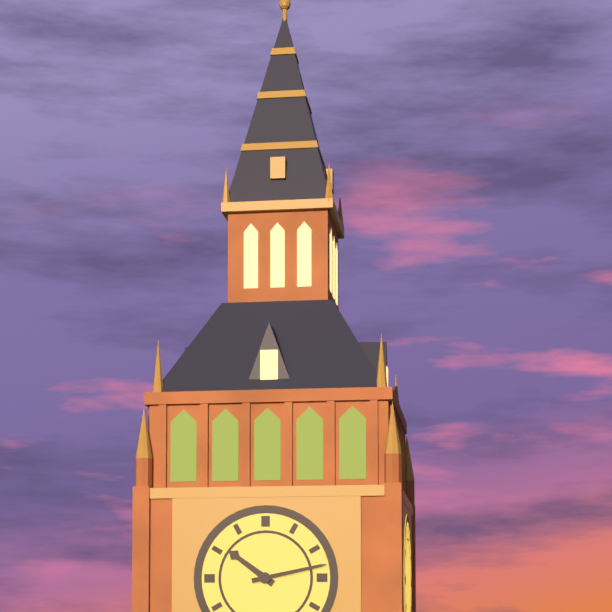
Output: 10h13
